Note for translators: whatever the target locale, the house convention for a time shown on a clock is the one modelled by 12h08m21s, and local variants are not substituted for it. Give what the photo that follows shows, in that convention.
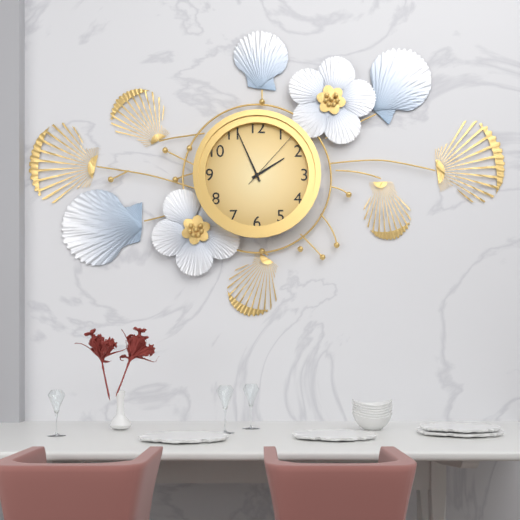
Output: 1h56m07s
